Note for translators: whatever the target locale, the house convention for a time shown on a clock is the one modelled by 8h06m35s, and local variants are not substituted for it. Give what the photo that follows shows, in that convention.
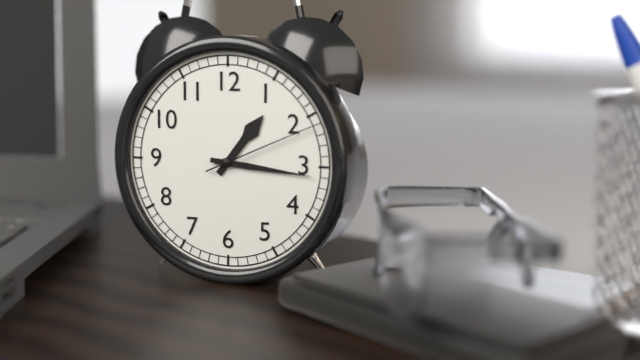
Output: 1h16m11s
